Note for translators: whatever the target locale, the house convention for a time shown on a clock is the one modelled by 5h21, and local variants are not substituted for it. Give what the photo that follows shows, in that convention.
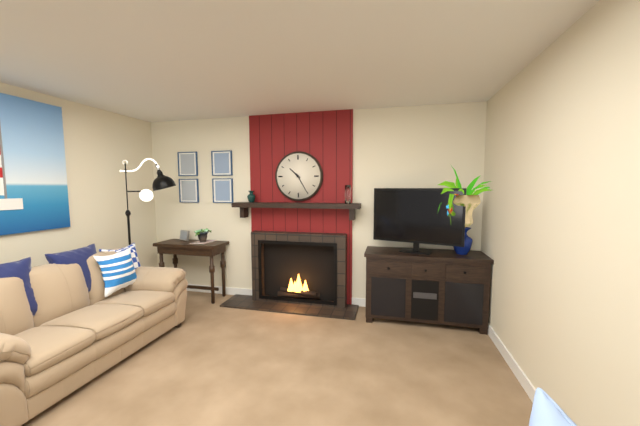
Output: 10h25
